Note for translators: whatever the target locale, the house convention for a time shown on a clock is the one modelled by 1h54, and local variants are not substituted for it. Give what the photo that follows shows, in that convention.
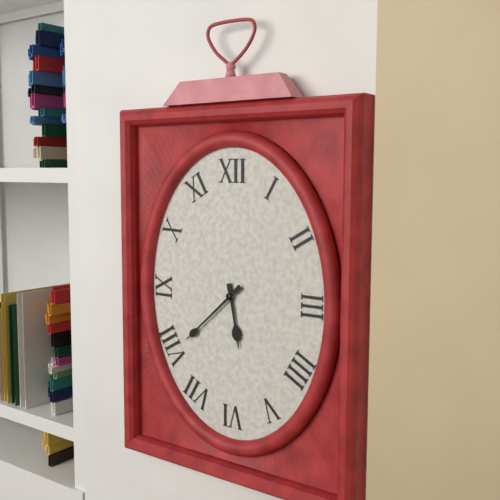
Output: 5h38
